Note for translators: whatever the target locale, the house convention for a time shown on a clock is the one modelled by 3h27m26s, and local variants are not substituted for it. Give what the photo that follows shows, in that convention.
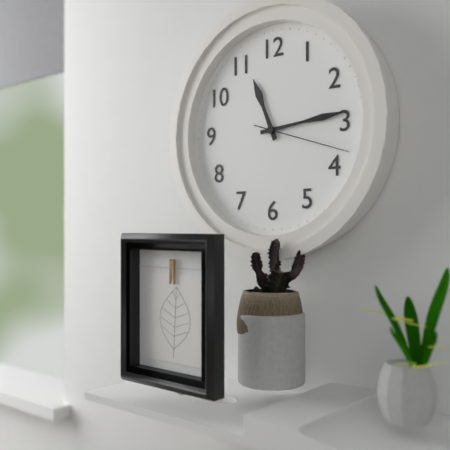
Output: 11h14m18s
